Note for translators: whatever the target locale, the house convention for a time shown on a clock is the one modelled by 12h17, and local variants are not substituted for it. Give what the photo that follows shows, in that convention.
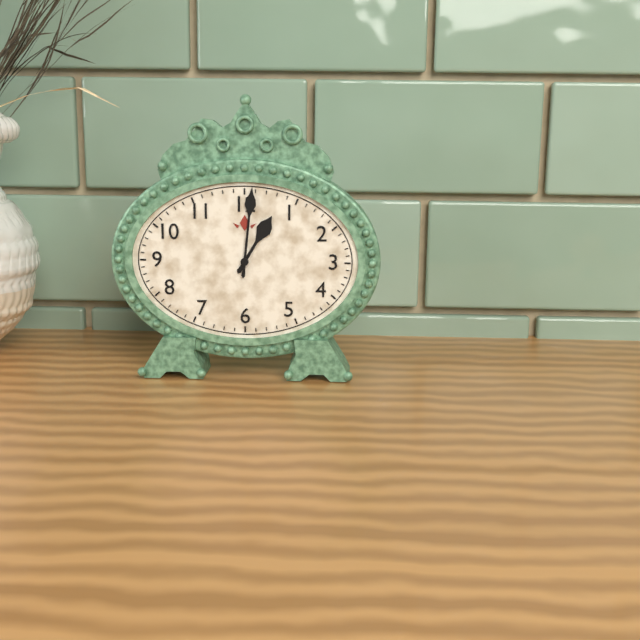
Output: 1h01
